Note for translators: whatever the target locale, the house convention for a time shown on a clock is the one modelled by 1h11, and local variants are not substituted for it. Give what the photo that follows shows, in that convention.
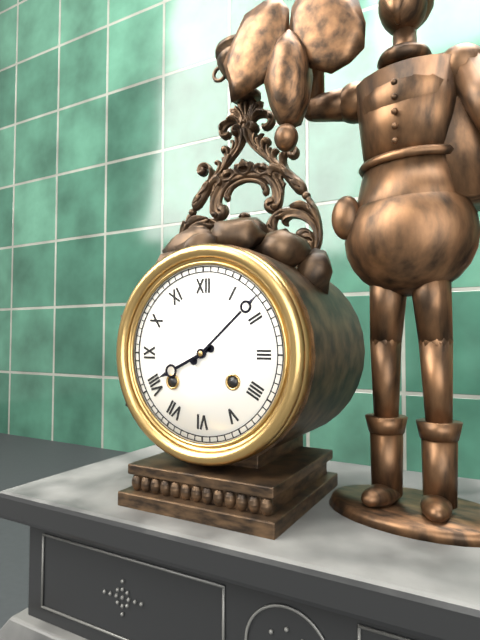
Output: 8h08
